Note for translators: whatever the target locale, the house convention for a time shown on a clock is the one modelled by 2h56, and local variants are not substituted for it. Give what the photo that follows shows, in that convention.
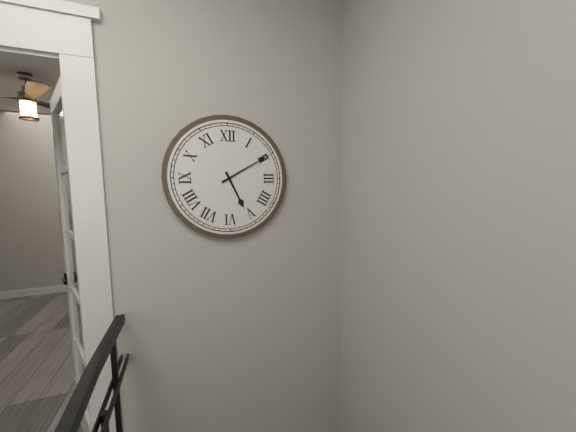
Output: 5h10
